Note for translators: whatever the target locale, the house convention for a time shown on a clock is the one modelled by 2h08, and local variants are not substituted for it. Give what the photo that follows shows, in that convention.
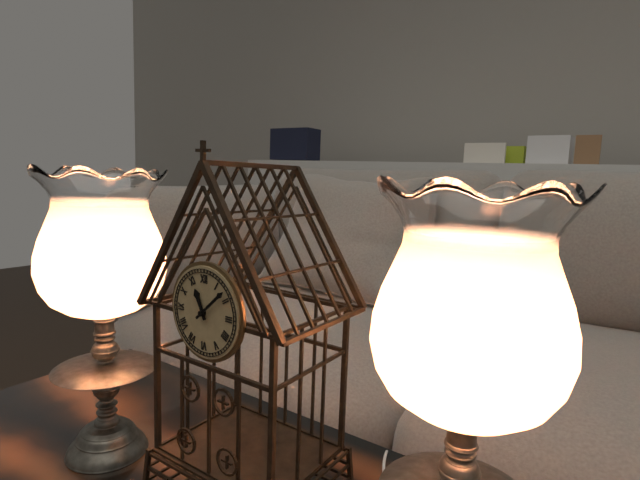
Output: 11h08
